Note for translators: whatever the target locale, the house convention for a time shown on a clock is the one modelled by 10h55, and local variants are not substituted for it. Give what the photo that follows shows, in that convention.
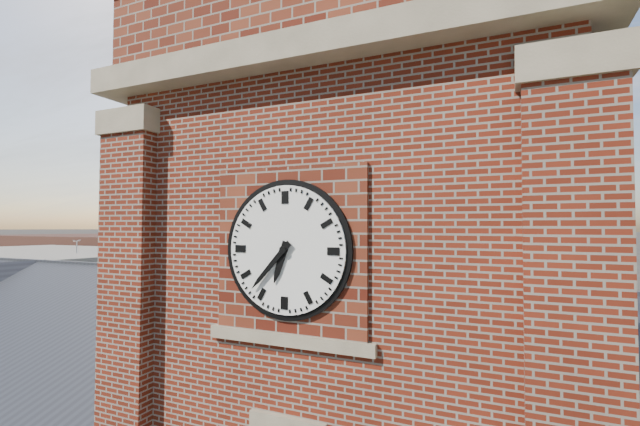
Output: 6h37
